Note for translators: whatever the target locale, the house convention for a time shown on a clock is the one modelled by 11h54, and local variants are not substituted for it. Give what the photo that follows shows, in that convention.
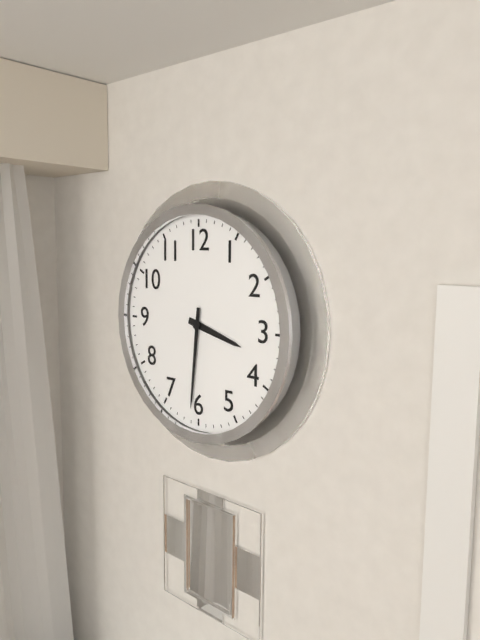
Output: 3h31
